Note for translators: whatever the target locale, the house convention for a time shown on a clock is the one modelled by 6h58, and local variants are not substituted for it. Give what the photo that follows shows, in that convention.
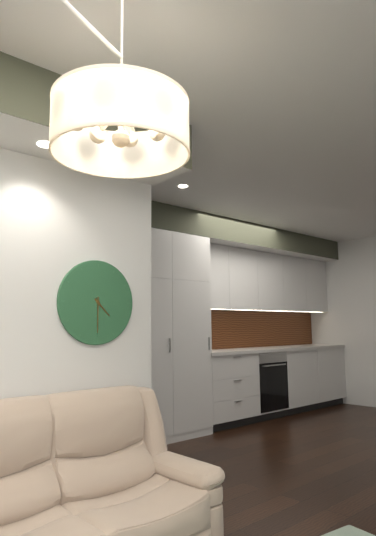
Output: 4h30
